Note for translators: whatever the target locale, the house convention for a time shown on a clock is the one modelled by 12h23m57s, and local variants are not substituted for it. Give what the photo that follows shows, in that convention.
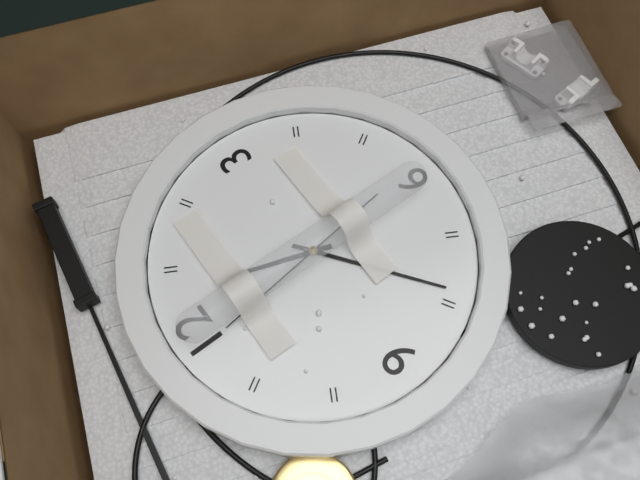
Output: 12h39m59s
